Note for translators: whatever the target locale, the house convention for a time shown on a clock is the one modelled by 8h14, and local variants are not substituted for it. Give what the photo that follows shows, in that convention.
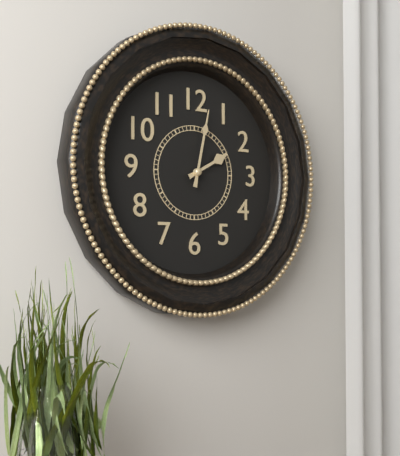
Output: 2h02
